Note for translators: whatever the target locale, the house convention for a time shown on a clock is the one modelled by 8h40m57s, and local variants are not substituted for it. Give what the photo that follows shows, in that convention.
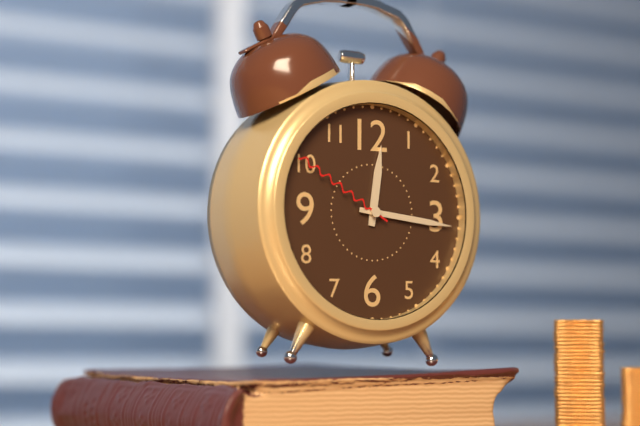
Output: 12h16m50s
